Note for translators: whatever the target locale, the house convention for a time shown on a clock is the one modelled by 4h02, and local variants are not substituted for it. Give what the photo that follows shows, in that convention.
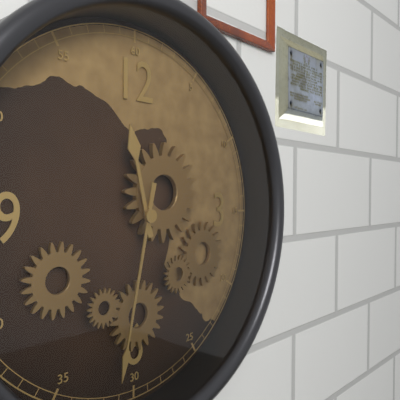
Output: 11h32
